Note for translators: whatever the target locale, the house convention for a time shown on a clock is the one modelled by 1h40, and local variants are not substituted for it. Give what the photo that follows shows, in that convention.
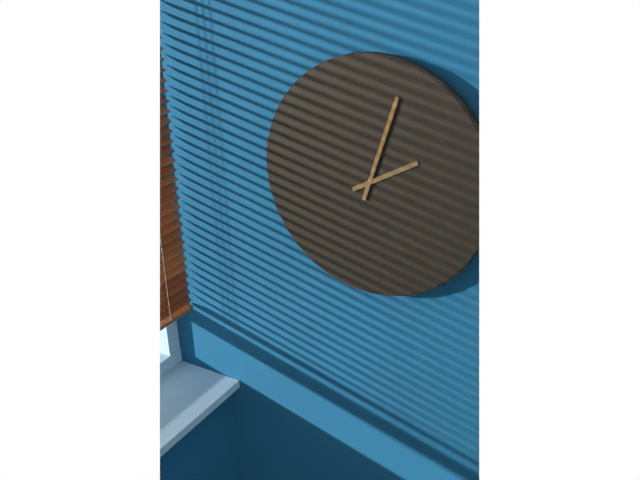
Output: 2h03
